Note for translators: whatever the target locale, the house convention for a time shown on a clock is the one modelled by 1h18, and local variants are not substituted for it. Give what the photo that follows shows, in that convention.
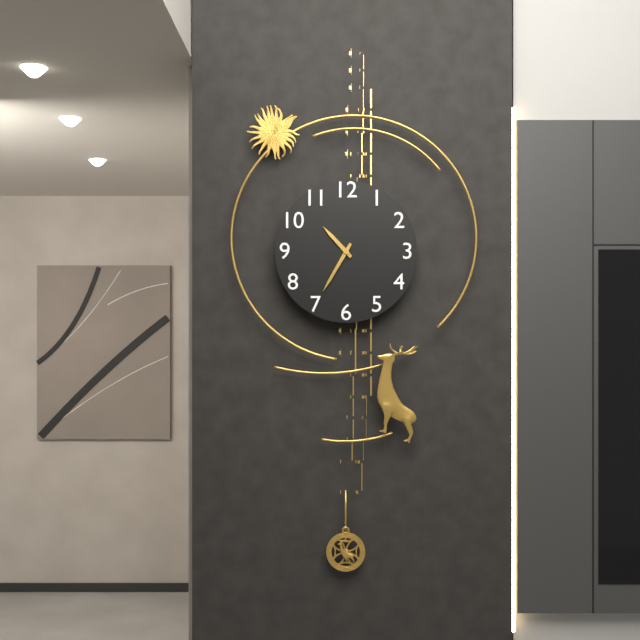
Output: 10h35
